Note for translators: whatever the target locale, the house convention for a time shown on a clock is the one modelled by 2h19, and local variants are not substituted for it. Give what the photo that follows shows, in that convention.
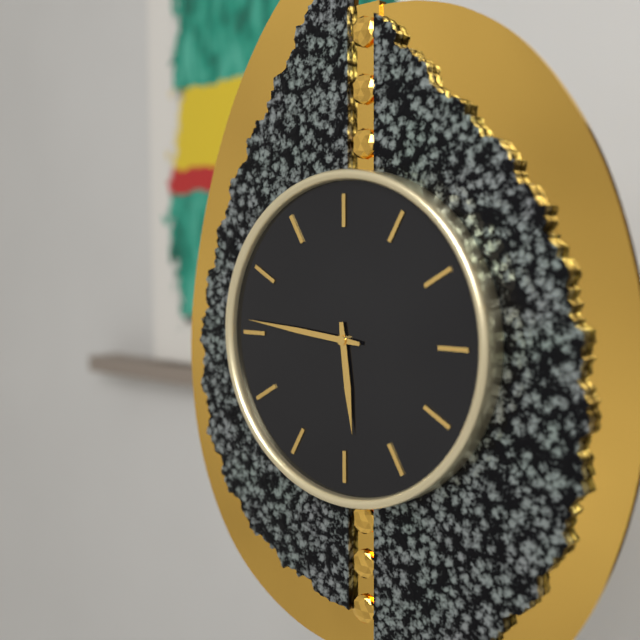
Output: 5h46
